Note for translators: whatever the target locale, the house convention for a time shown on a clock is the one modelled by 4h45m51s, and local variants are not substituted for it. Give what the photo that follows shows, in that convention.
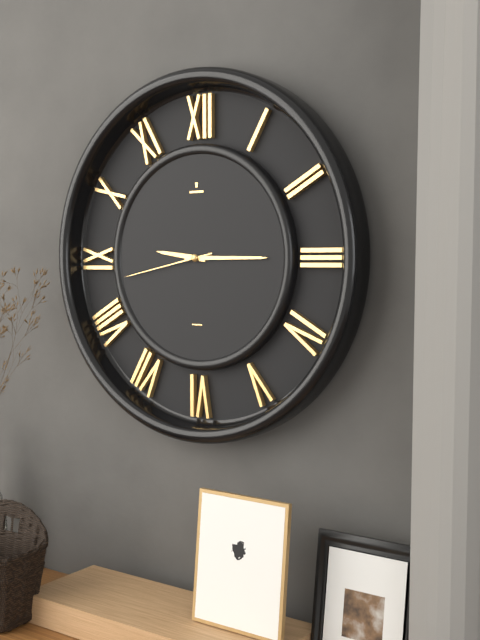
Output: 9h15m43s
